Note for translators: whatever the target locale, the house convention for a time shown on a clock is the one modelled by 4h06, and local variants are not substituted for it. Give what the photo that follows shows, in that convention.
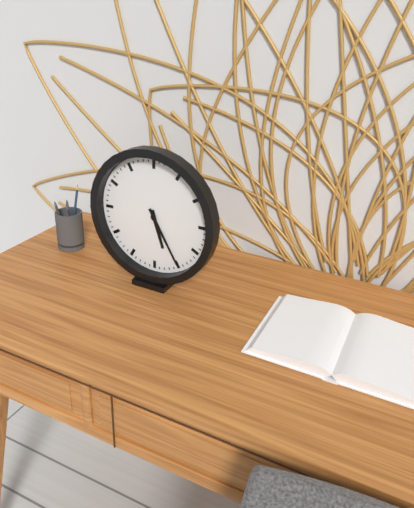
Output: 5h25
